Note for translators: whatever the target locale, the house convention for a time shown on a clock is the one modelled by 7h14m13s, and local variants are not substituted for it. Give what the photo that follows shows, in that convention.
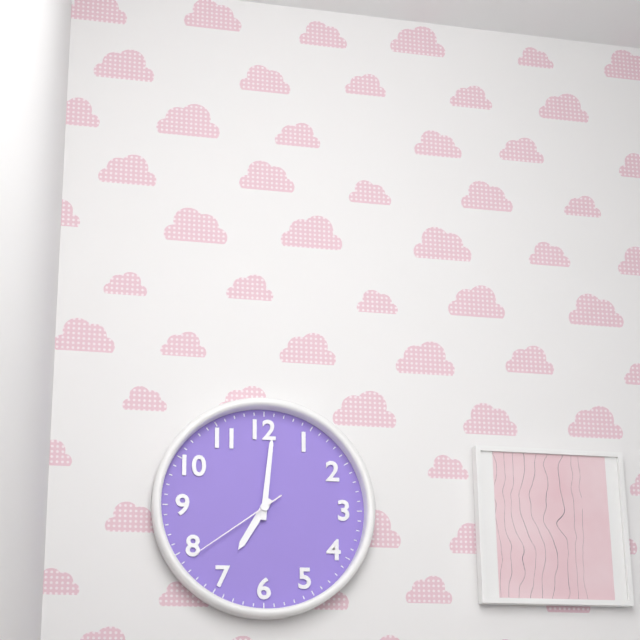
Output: 7h01m39s
